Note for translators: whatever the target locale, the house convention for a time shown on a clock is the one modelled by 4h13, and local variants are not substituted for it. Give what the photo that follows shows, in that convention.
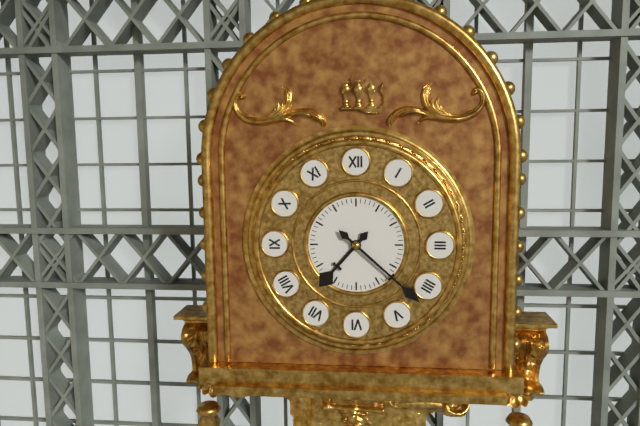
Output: 7h22
